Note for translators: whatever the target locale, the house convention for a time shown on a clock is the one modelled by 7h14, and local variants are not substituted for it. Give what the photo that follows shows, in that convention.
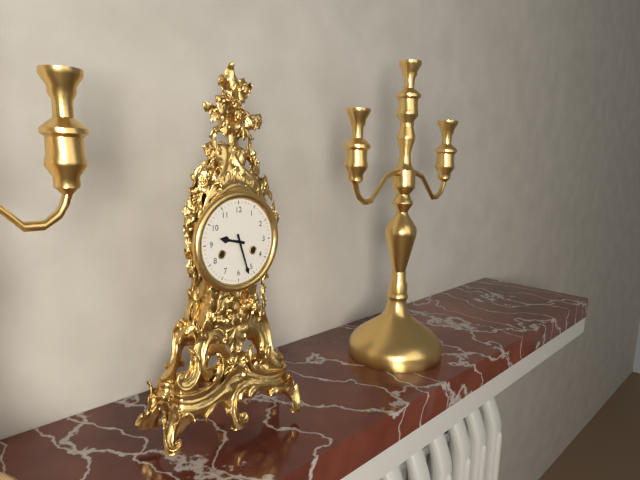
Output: 9h27
